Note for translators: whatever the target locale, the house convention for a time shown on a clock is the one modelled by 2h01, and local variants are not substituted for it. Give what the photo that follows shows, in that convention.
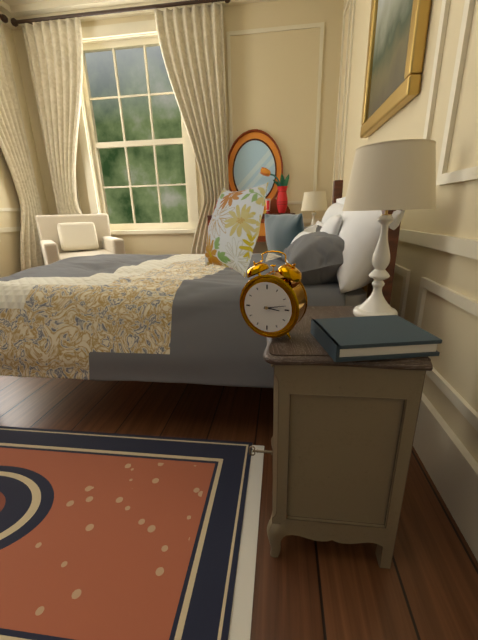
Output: 3h13
